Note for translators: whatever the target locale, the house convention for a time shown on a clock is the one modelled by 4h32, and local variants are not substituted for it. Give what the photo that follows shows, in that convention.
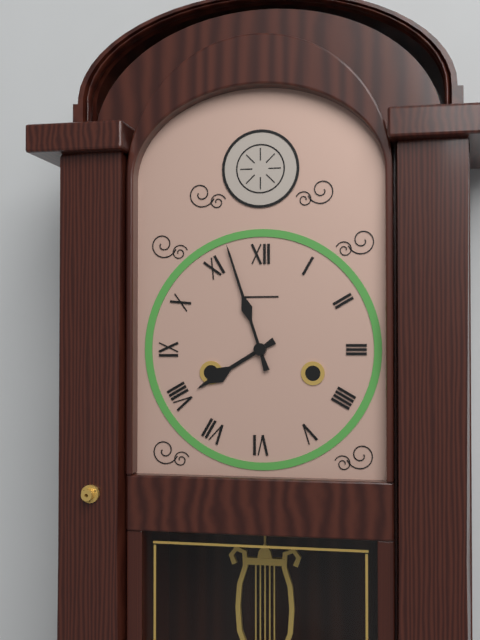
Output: 7h57
